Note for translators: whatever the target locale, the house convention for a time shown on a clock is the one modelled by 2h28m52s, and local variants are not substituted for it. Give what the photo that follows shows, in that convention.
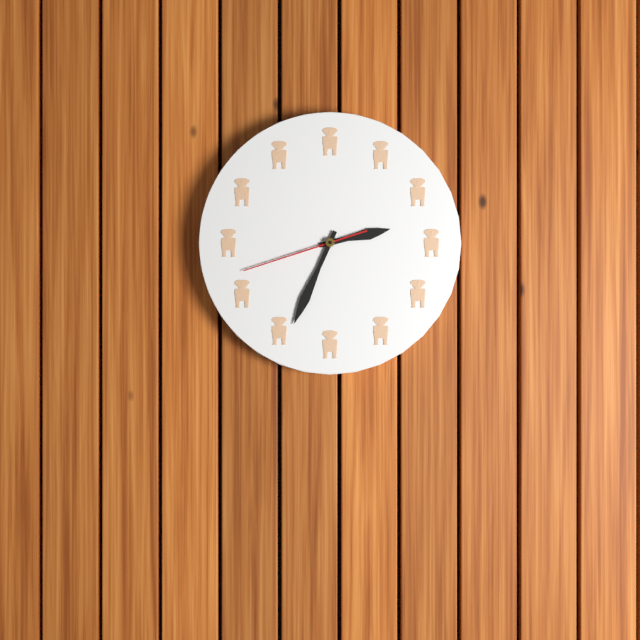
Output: 2h34m42s
